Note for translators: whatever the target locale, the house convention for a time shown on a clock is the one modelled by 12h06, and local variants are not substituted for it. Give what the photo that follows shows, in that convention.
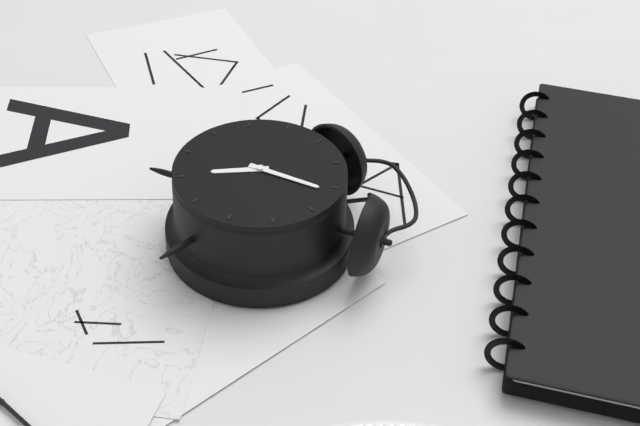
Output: 6h06
